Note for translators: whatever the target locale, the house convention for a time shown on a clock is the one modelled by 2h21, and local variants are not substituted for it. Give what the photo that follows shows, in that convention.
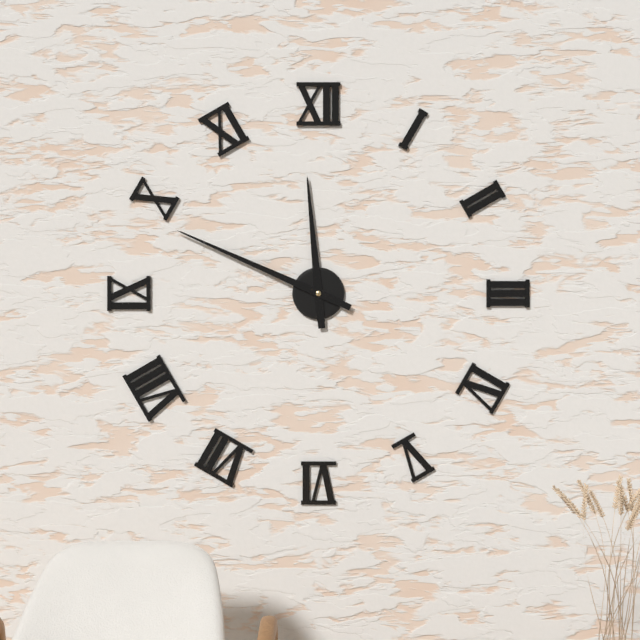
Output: 11h49
